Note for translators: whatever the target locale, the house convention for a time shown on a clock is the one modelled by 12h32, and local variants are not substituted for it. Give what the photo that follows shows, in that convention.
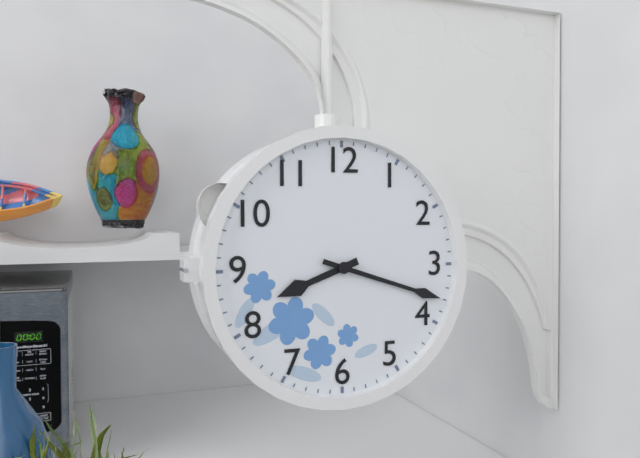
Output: 8h18
